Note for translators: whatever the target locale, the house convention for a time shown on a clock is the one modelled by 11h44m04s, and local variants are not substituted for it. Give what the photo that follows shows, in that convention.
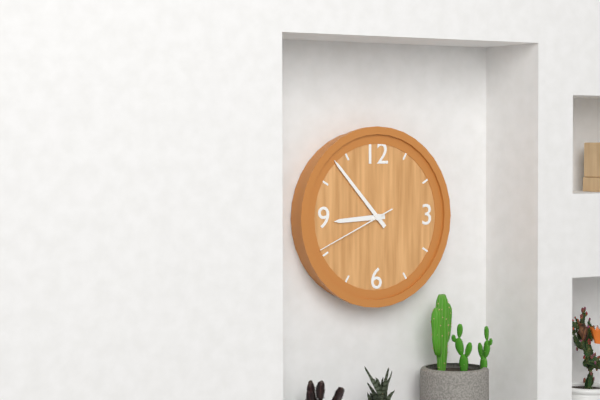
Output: 8h53m41s
